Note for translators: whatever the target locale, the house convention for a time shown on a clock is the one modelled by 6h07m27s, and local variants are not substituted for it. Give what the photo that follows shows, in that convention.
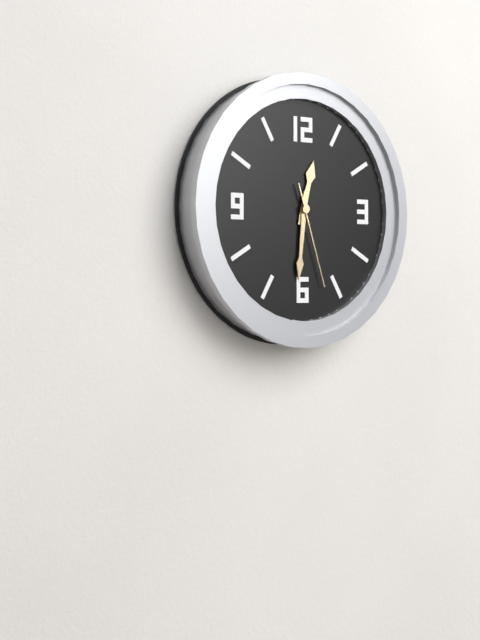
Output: 12h31m27s
